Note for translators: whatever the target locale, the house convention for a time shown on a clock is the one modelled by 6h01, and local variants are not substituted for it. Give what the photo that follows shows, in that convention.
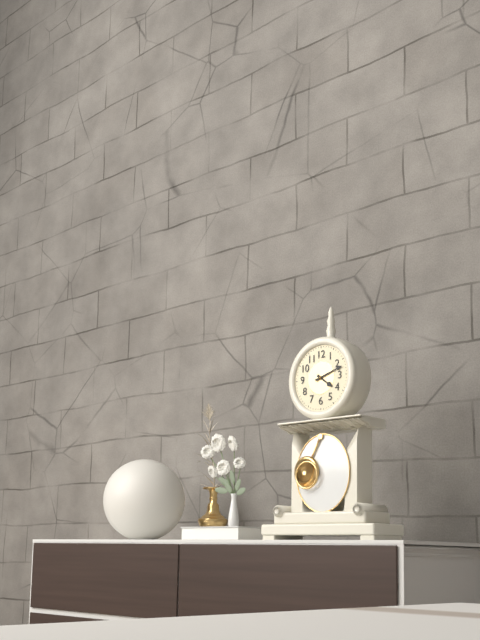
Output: 4h12
